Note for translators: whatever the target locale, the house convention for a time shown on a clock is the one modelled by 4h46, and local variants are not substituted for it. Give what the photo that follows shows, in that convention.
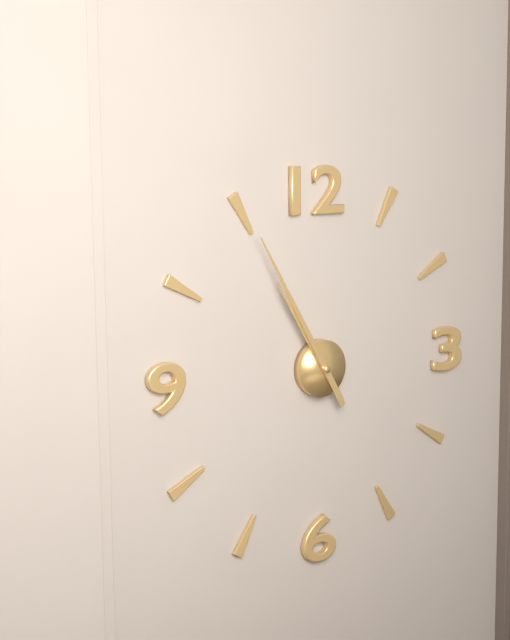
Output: 10h55
